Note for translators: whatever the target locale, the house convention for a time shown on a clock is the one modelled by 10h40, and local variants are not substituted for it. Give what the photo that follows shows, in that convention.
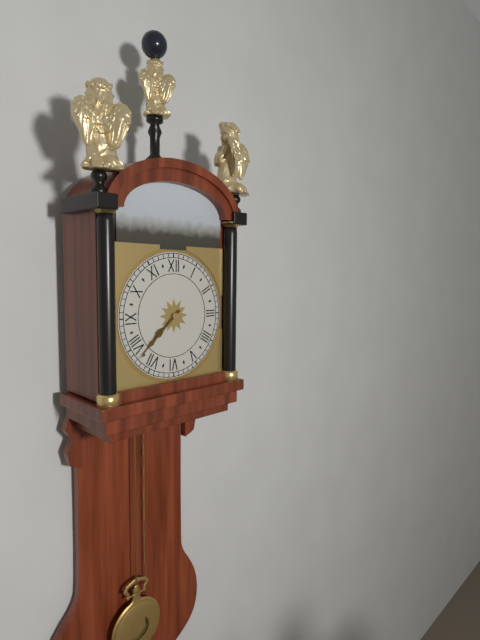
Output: 7h38
